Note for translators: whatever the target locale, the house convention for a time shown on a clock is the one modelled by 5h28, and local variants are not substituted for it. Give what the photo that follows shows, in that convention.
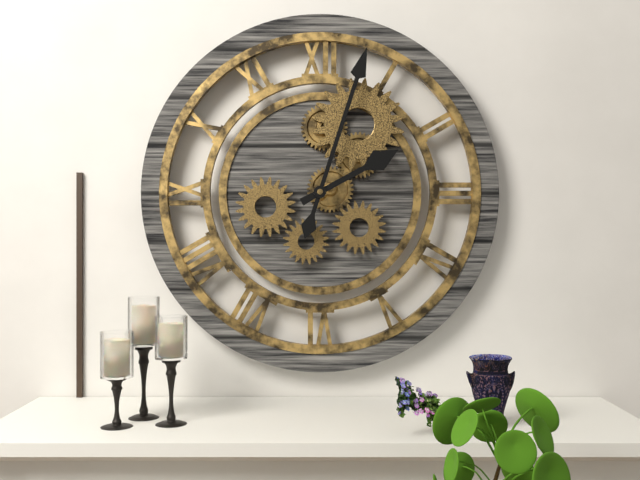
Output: 2h03
